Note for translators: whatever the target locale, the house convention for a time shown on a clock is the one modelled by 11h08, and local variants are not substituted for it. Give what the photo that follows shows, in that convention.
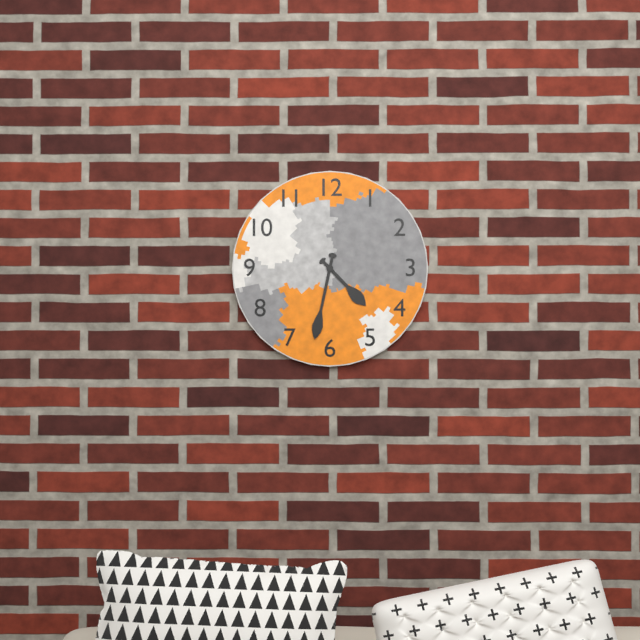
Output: 4h32
